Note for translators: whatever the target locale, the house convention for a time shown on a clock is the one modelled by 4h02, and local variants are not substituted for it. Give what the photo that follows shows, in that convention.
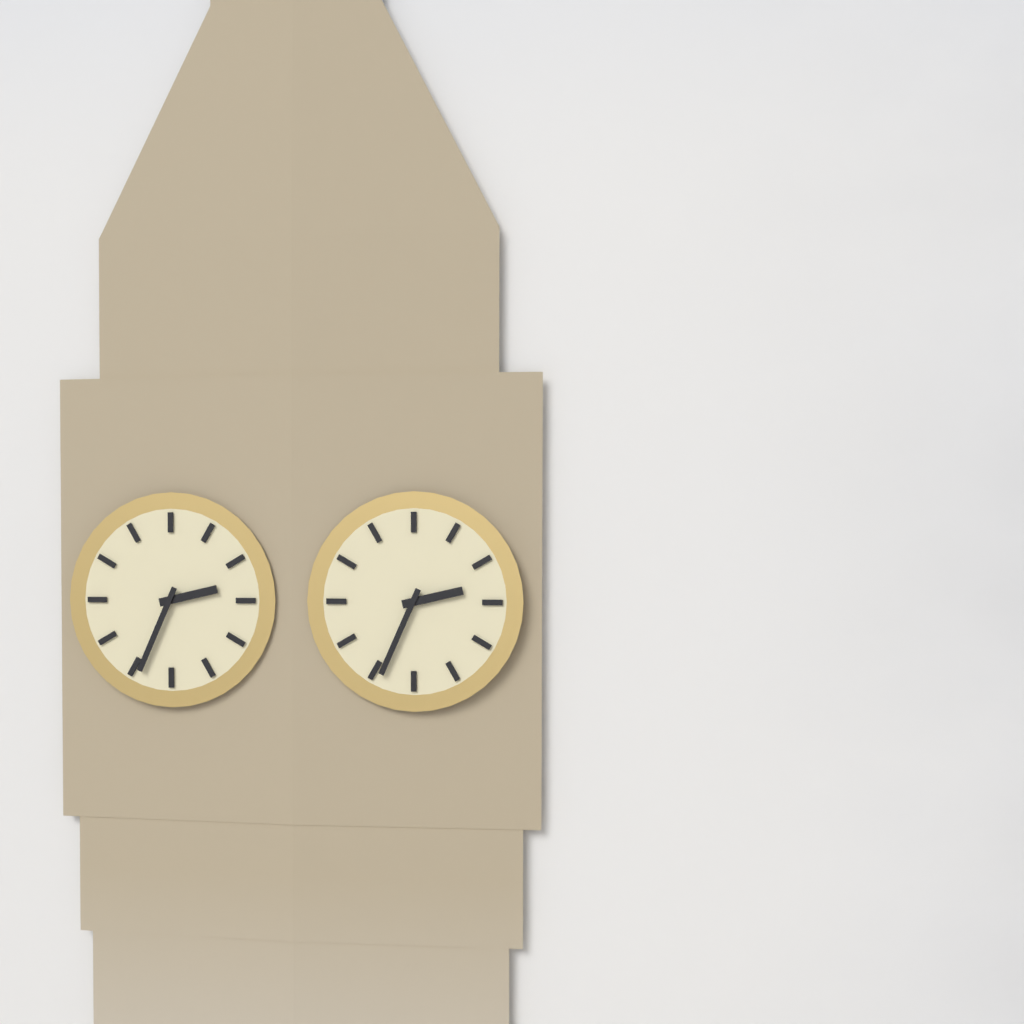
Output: 2h34
